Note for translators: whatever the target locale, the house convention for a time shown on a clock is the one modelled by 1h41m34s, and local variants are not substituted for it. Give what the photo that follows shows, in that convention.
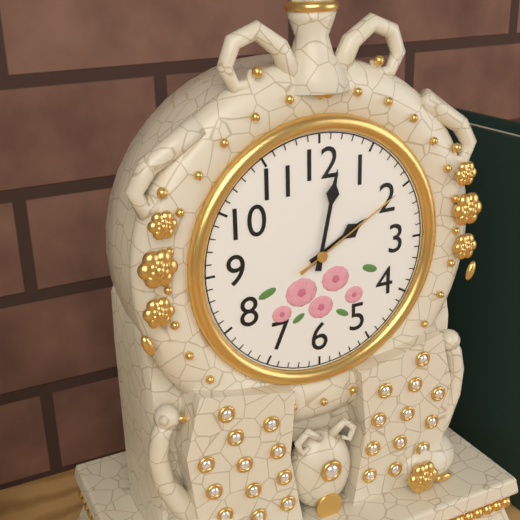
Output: 2h02m10s
